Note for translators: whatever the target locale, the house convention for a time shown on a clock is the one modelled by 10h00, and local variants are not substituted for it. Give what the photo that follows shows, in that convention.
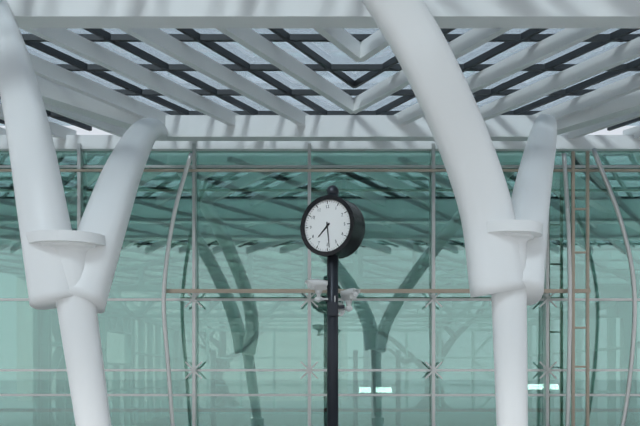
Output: 7h29
